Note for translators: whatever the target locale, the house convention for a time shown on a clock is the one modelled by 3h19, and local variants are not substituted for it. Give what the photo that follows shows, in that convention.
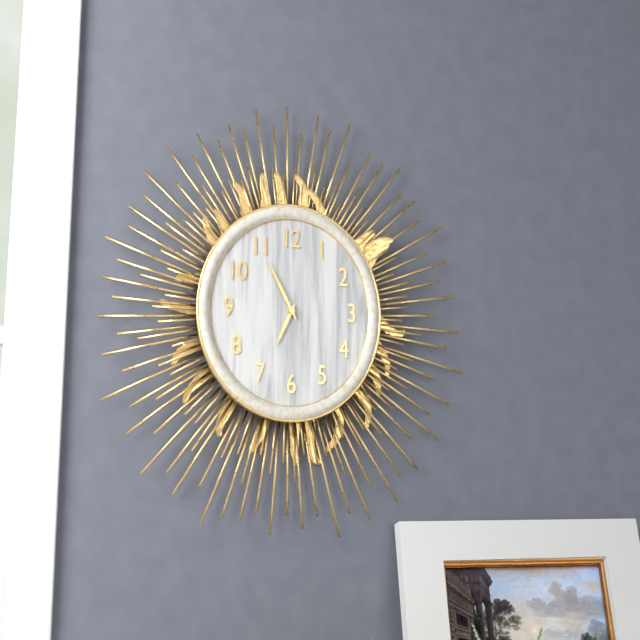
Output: 6h55
